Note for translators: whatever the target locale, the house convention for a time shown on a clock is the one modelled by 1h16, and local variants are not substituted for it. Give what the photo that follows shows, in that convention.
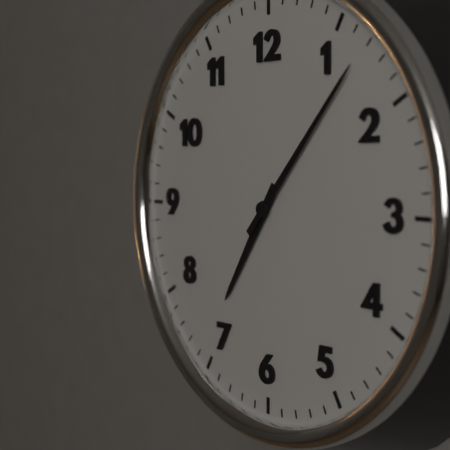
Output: 7h07
